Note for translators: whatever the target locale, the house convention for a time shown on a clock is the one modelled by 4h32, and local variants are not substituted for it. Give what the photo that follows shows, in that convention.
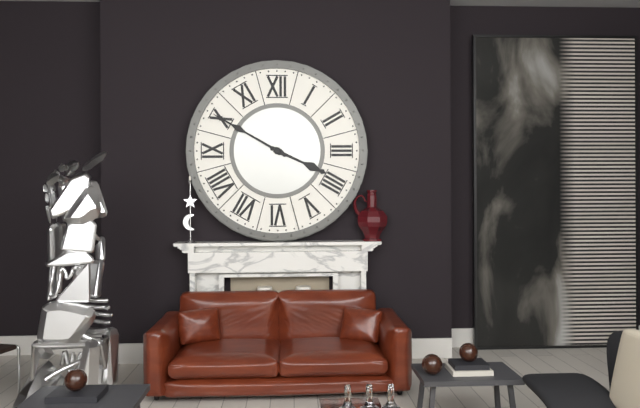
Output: 3h50
